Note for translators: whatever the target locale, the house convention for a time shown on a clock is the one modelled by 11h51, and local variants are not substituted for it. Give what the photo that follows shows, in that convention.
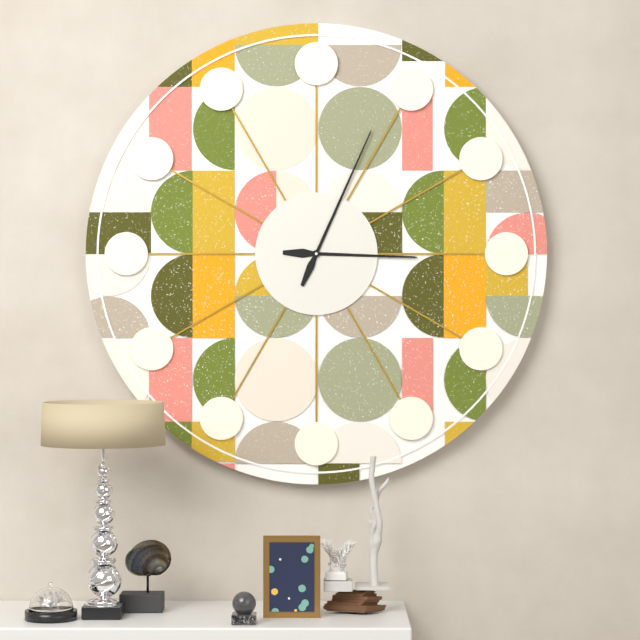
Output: 3h04
